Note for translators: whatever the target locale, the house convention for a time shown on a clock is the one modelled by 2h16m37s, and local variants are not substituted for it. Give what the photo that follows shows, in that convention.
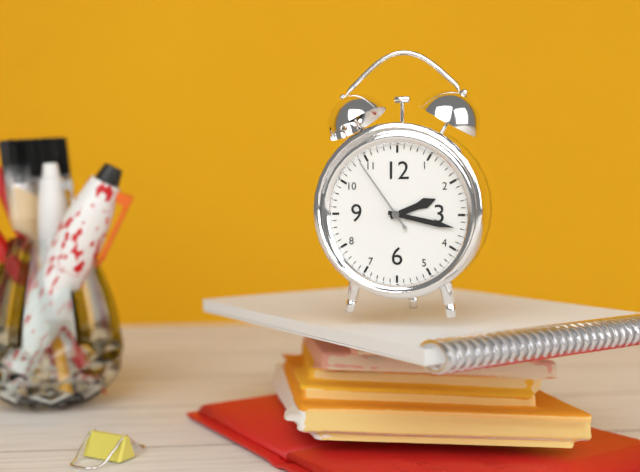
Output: 2h17m54s
